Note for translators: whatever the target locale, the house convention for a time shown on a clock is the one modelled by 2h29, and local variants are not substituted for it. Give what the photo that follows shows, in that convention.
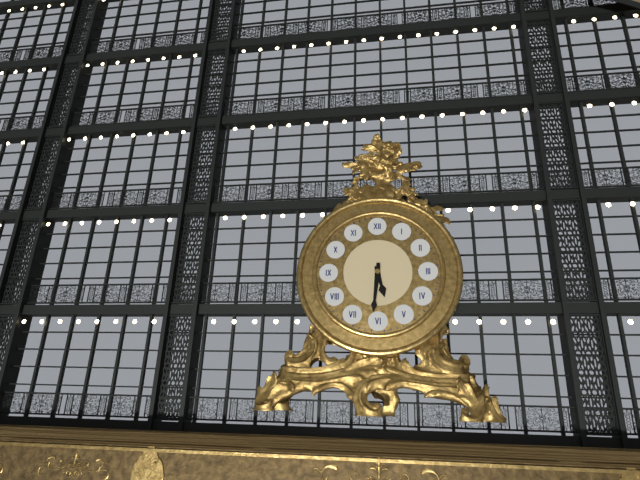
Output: 5h31
